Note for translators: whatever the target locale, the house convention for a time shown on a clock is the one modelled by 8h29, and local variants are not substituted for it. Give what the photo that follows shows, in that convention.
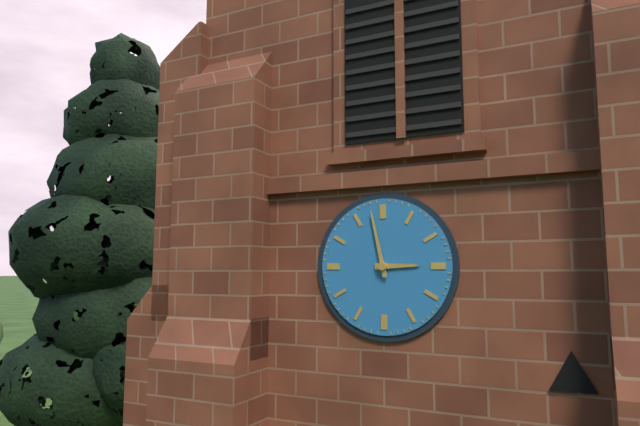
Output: 2h58
